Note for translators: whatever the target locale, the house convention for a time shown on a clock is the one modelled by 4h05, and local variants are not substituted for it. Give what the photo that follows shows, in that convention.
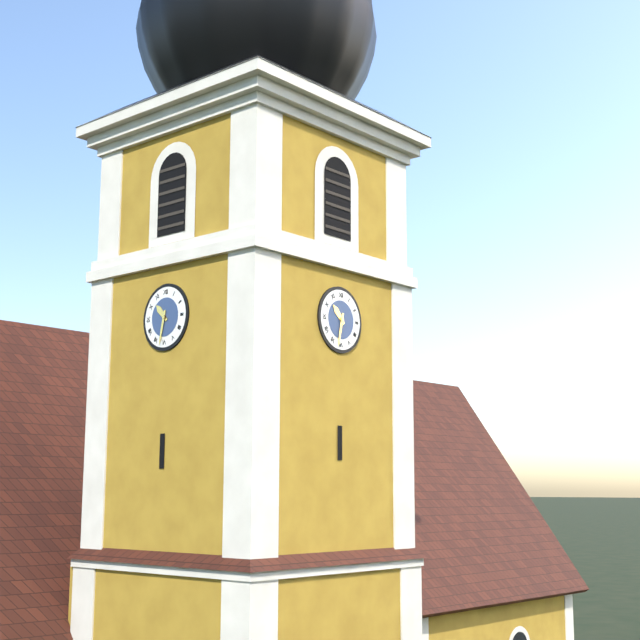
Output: 10h32
